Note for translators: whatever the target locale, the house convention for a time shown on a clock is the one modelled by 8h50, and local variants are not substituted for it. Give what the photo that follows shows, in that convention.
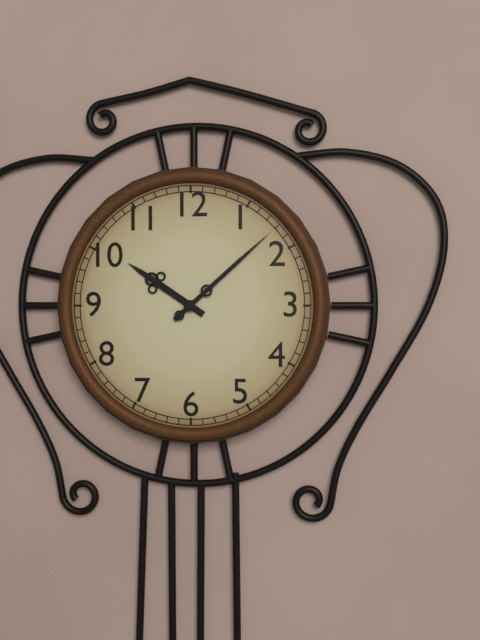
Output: 10h08
